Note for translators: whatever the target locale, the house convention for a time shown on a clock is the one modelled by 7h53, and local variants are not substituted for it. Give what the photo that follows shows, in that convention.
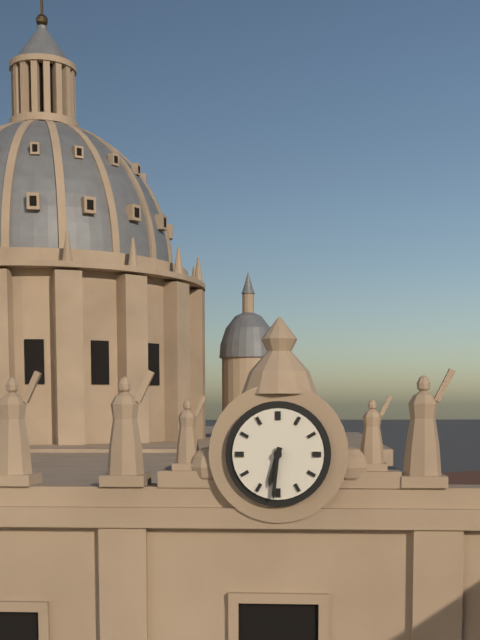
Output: 6h31
